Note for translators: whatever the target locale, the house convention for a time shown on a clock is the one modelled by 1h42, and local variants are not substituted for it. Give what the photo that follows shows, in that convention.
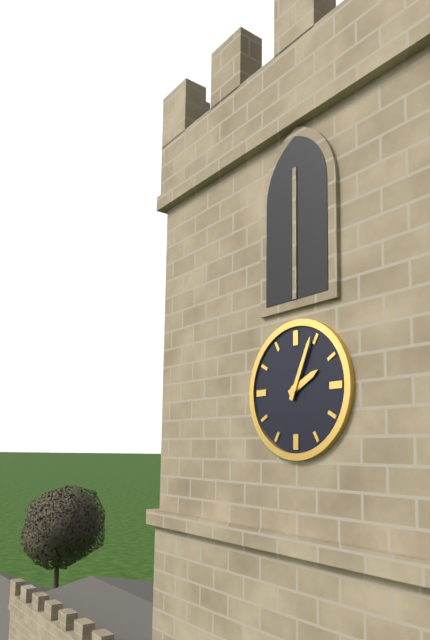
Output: 2h04
